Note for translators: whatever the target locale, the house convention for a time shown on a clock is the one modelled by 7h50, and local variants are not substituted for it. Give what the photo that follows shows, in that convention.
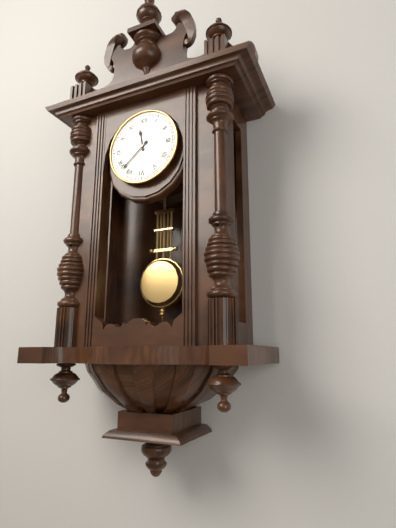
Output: 11h38
